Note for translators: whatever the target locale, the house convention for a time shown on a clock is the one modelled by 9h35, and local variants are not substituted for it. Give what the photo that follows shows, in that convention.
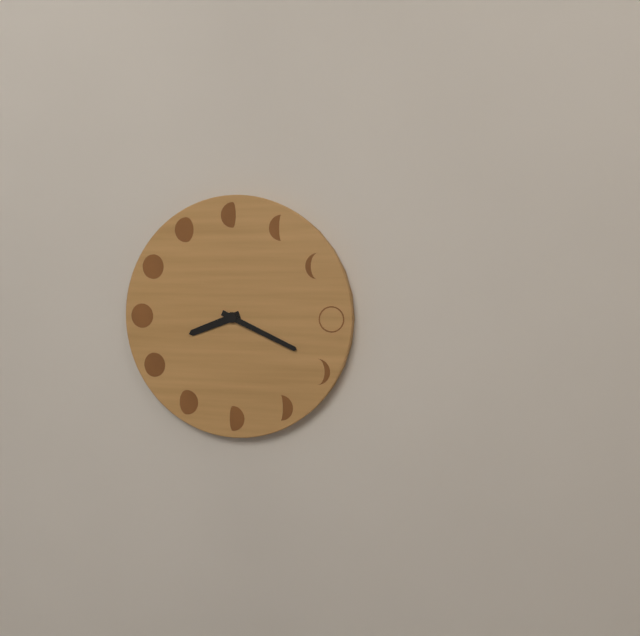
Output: 8h19
